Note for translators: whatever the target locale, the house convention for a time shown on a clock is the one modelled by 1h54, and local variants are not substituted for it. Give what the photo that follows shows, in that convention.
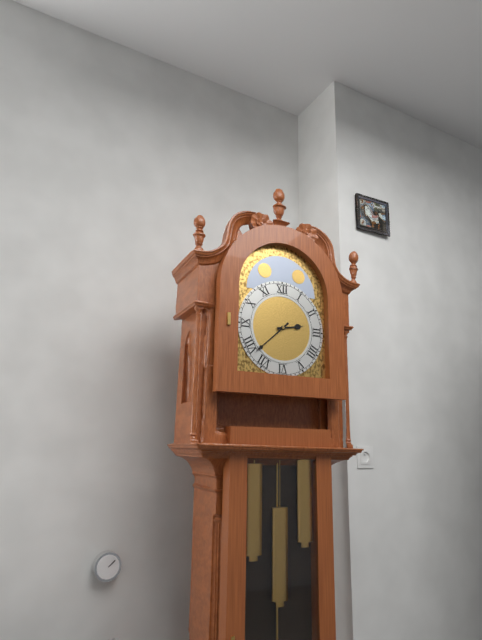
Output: 2h38
